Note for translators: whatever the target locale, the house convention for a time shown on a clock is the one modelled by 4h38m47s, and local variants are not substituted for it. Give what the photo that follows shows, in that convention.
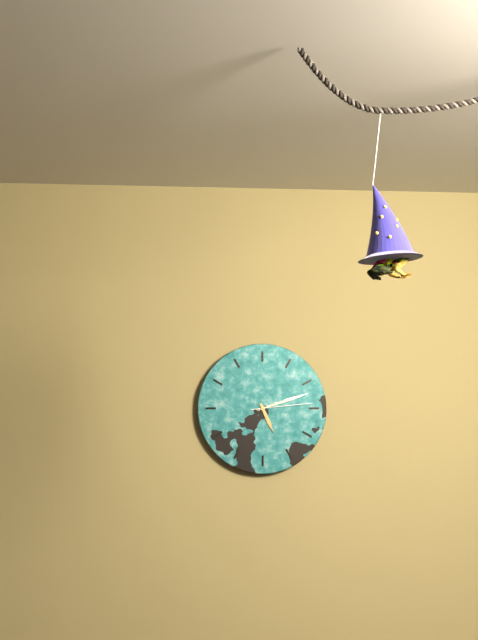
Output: 5h12m14s
